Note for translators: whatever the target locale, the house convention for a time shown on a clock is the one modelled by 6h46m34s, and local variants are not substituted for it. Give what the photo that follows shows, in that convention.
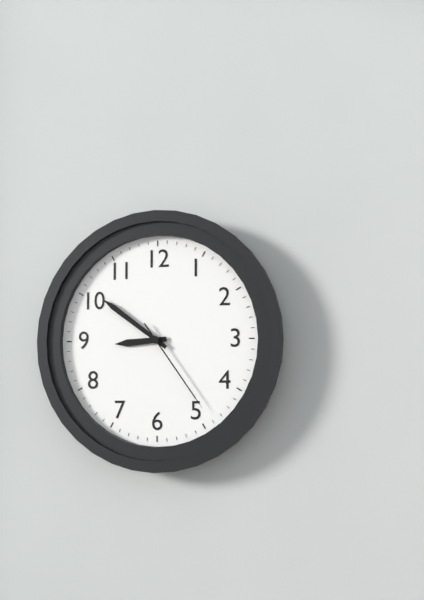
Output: 8h51m24s
